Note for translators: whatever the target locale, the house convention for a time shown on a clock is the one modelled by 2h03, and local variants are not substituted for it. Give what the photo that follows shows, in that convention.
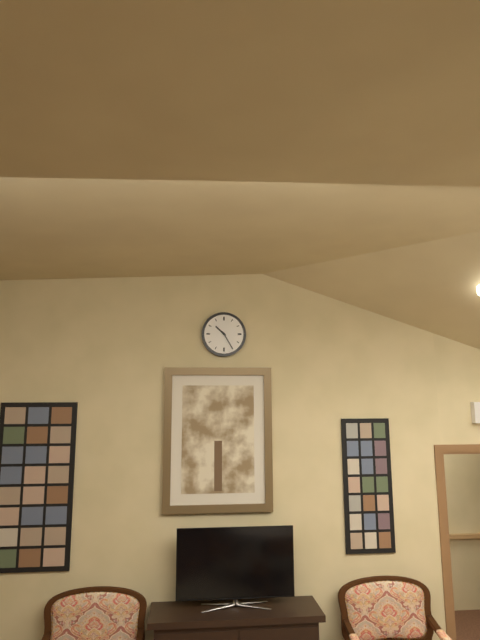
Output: 10h25
